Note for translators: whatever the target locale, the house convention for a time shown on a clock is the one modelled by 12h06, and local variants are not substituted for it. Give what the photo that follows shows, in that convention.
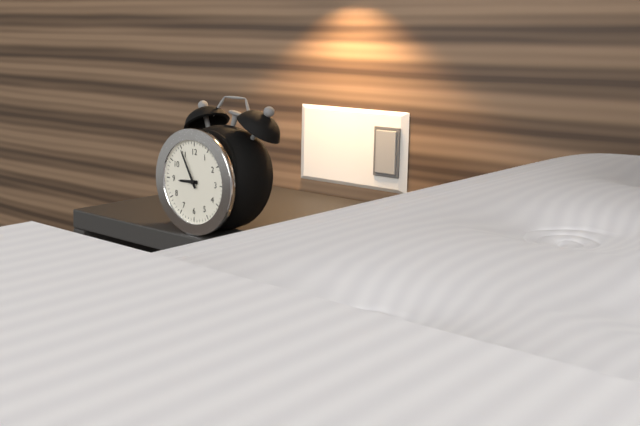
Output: 8h55
